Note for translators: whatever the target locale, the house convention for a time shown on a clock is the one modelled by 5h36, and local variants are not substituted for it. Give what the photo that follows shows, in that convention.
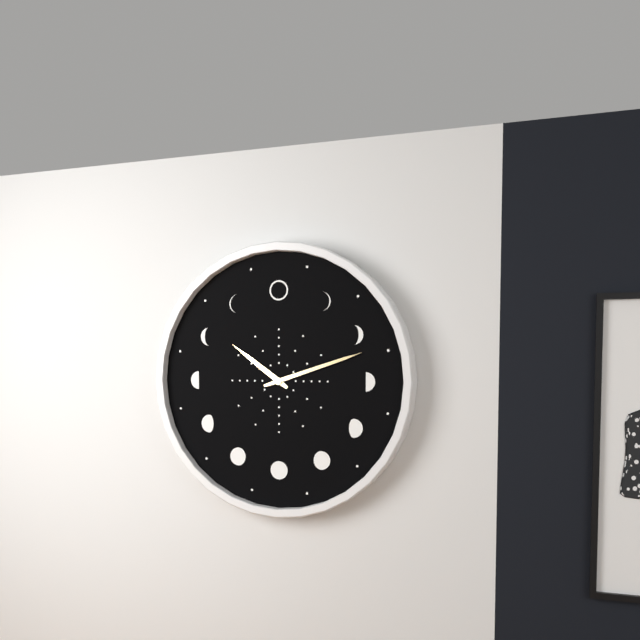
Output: 10h12
